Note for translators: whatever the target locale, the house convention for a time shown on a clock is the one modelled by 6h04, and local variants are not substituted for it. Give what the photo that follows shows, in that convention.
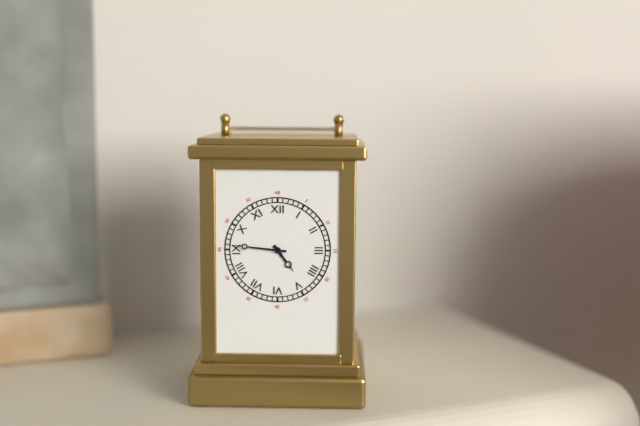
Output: 4h46
